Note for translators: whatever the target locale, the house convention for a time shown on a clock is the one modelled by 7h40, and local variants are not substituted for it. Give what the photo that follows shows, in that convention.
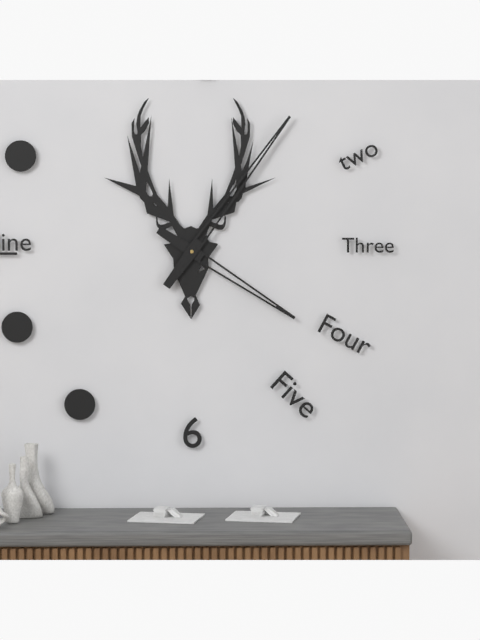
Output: 4h06
